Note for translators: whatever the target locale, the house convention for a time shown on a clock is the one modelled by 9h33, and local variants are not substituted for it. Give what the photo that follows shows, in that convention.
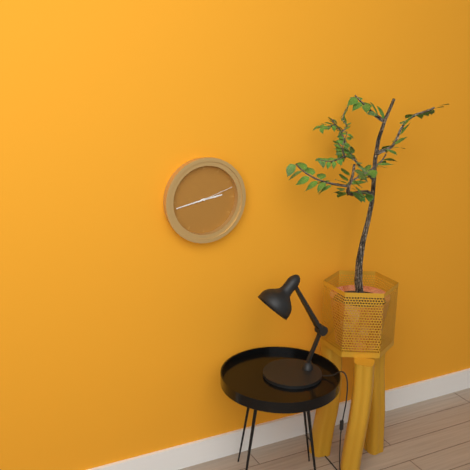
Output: 2h43
